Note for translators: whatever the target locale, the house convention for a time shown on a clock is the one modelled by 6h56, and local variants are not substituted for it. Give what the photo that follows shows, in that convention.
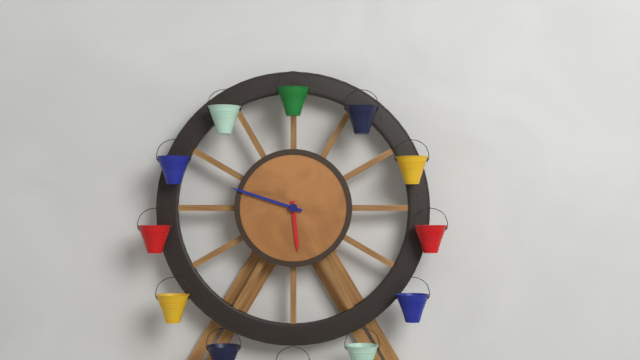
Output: 5h48
